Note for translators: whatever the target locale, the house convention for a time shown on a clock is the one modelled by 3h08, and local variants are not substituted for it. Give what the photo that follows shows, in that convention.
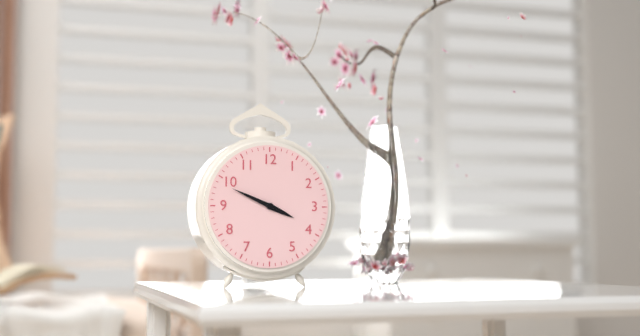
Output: 3h49
